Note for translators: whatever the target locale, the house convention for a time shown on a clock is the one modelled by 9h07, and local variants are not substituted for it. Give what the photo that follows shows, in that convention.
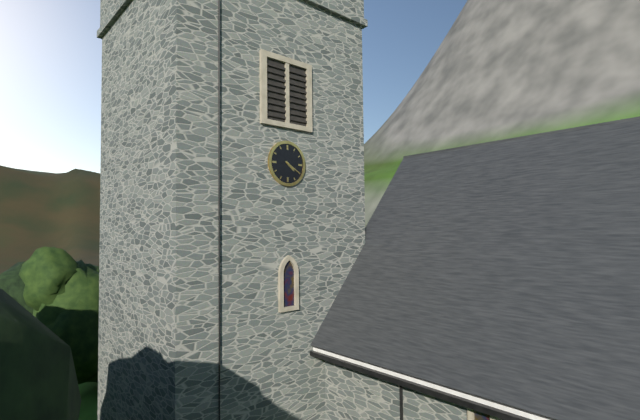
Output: 4h20
